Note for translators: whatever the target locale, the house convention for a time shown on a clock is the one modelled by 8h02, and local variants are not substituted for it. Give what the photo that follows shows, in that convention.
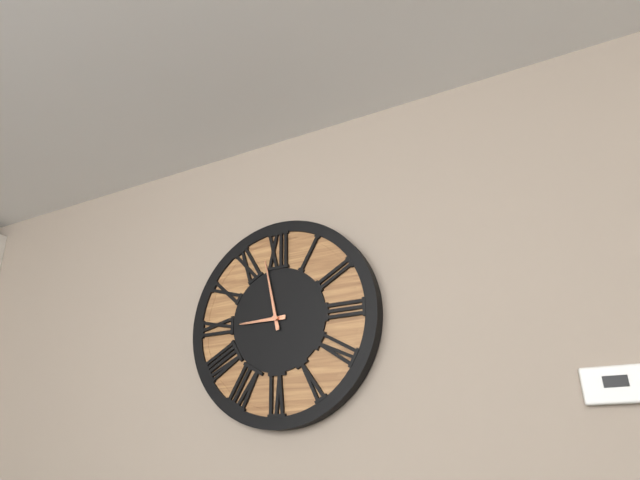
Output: 8h58
